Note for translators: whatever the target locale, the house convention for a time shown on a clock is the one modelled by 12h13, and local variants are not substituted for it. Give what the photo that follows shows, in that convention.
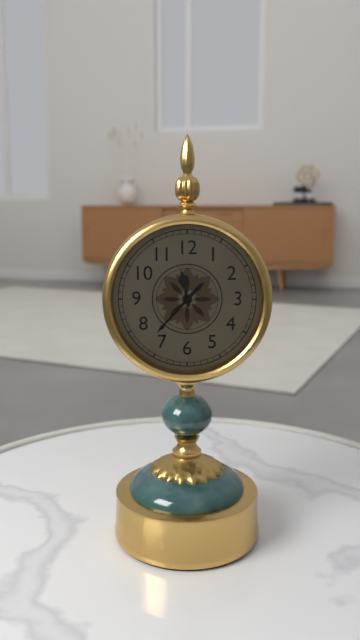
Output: 11h37
